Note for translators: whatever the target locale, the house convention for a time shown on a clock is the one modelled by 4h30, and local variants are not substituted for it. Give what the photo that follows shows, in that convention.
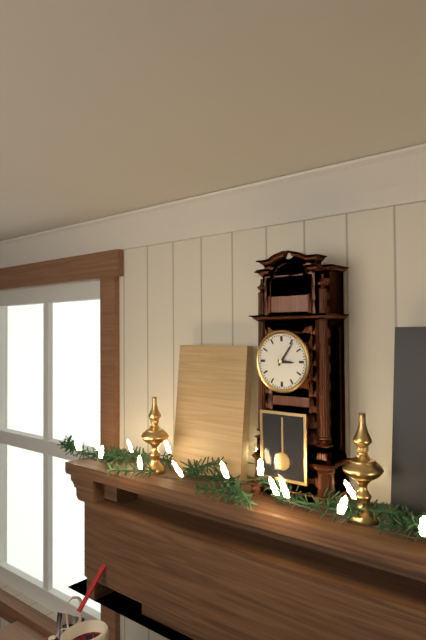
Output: 3h06
